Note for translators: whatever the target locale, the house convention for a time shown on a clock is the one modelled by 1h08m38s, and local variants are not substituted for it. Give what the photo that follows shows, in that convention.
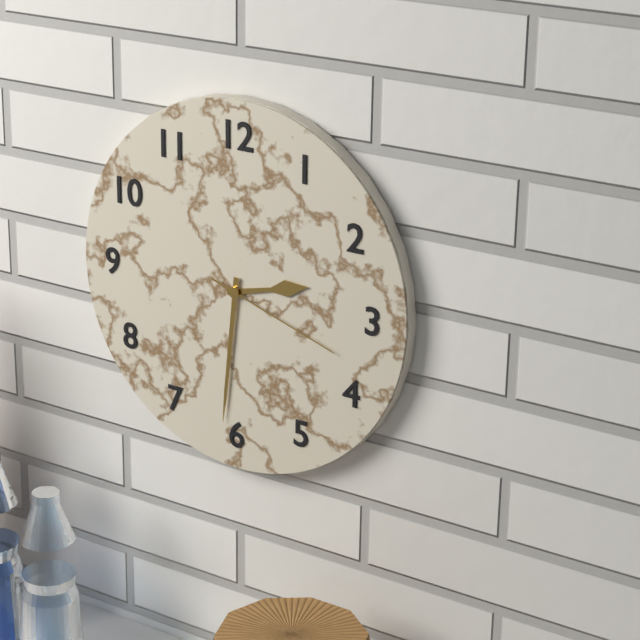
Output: 2h31m18s
